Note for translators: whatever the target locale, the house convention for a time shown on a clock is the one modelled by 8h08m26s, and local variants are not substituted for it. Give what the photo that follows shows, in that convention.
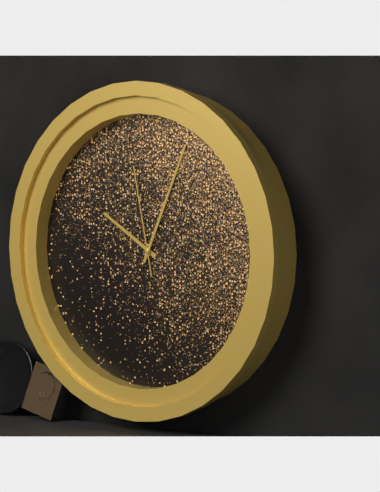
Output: 10h04m58s
